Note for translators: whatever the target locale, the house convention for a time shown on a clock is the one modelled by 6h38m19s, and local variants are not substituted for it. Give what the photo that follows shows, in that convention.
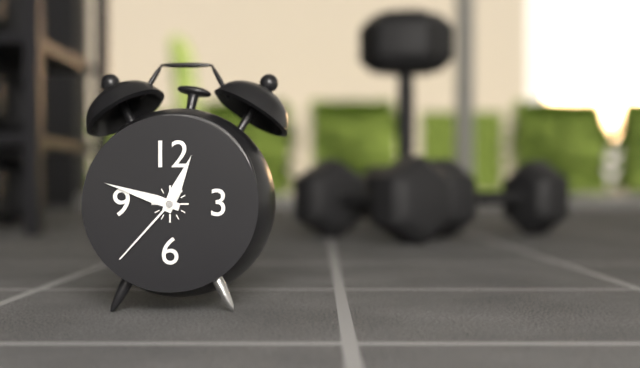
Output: 12h48m37s
